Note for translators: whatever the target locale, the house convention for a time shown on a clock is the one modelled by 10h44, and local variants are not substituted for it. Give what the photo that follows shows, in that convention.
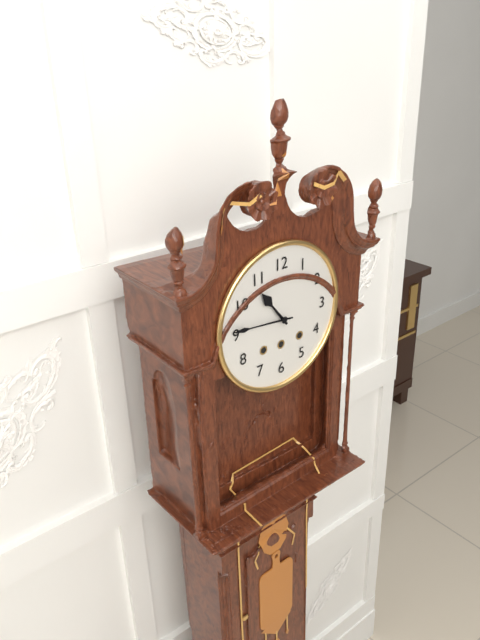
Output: 10h46
